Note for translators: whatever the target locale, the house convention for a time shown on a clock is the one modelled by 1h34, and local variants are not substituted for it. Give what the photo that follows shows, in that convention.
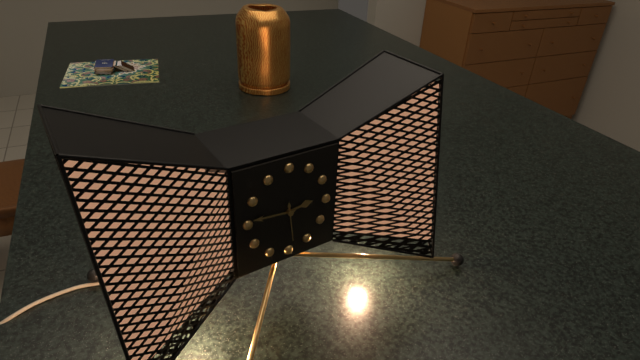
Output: 2h46
